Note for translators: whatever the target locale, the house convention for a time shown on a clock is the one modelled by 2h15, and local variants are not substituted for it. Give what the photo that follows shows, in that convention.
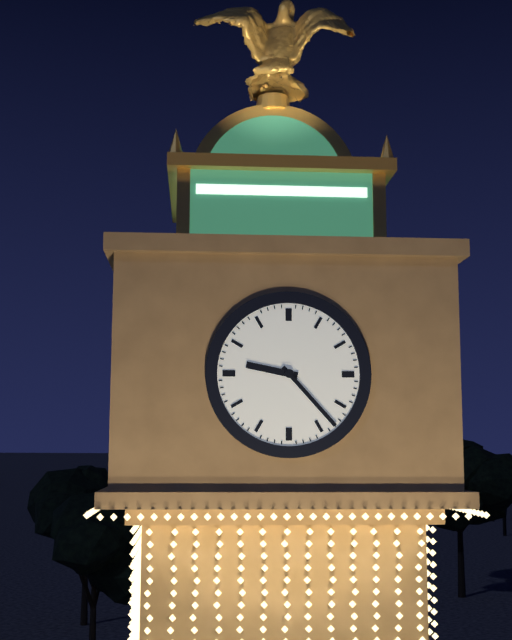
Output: 9h23
